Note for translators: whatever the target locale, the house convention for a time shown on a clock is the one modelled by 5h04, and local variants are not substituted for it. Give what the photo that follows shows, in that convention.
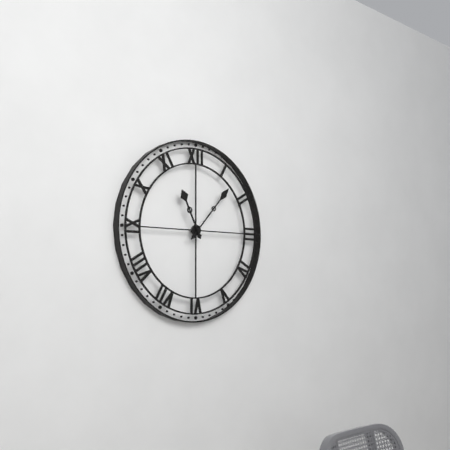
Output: 11h07
